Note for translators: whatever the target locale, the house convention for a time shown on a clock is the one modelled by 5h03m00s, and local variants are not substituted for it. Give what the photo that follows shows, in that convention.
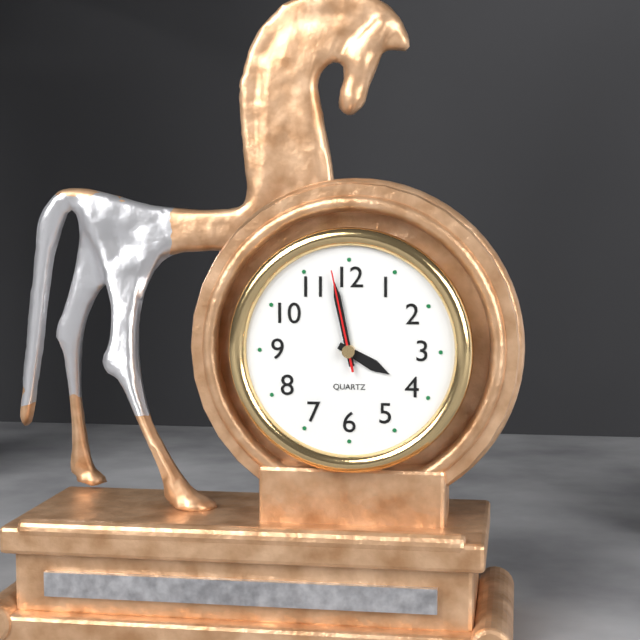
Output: 3h58m58s
